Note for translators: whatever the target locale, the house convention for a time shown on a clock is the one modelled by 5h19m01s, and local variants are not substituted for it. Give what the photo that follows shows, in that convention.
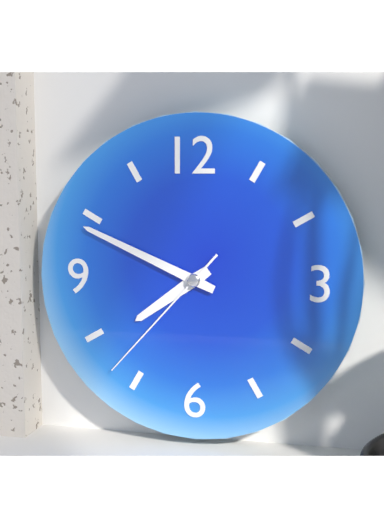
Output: 7h49m37s
